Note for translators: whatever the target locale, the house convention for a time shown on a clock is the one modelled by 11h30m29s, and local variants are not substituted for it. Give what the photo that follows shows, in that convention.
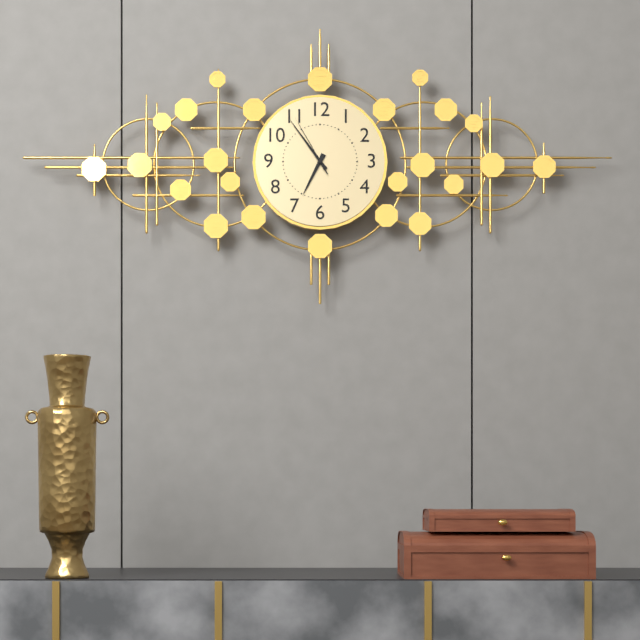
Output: 6h54m55s
